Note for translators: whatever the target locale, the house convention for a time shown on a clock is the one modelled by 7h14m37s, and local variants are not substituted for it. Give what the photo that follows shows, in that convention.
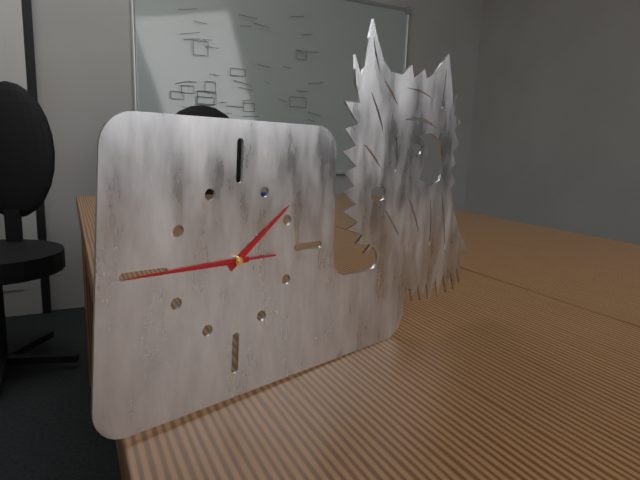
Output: 1h45m45s
